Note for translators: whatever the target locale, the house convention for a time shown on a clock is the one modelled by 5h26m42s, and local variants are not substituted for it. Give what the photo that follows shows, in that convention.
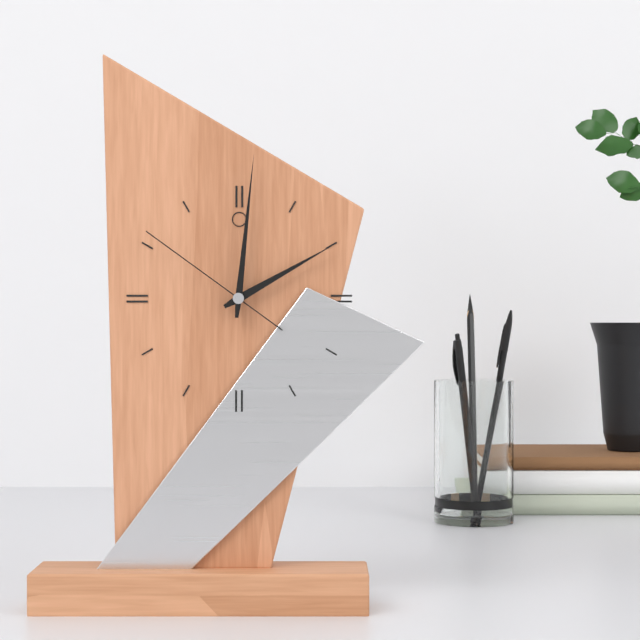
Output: 2h01m51s
